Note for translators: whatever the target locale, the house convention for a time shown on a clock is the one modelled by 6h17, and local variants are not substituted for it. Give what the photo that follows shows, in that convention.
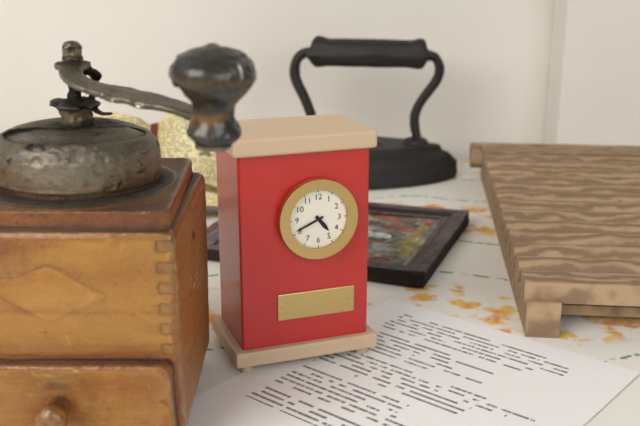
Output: 4h41
